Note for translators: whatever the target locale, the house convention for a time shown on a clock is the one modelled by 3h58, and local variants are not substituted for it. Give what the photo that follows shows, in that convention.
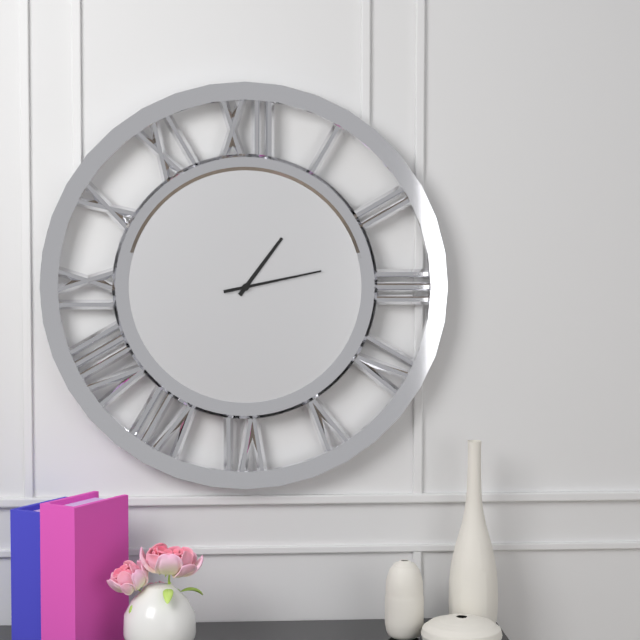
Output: 1h13
